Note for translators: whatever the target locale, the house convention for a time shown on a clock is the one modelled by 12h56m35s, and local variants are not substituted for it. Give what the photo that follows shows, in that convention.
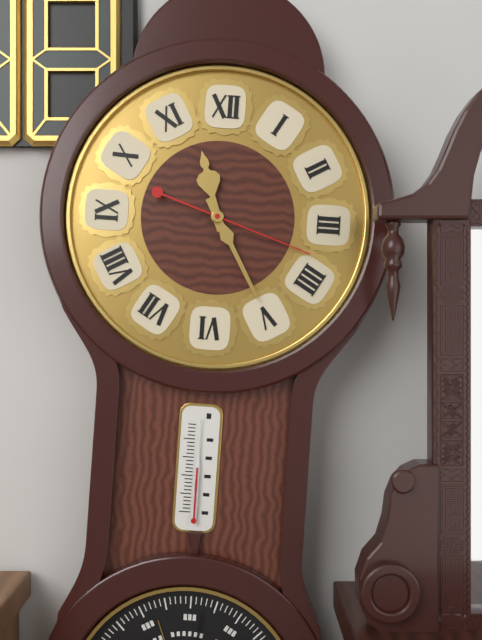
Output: 11h25m18s
